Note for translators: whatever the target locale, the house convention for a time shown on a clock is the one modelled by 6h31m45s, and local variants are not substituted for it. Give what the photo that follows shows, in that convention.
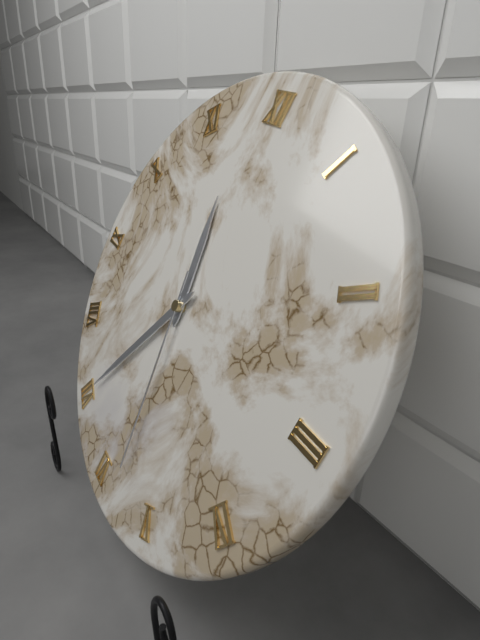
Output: 11h35m28s
